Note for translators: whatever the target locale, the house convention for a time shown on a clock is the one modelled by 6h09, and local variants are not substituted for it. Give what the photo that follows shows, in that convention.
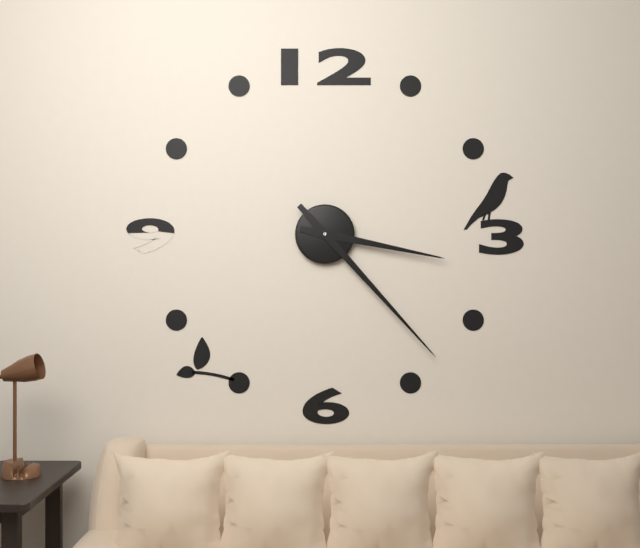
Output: 3h23
